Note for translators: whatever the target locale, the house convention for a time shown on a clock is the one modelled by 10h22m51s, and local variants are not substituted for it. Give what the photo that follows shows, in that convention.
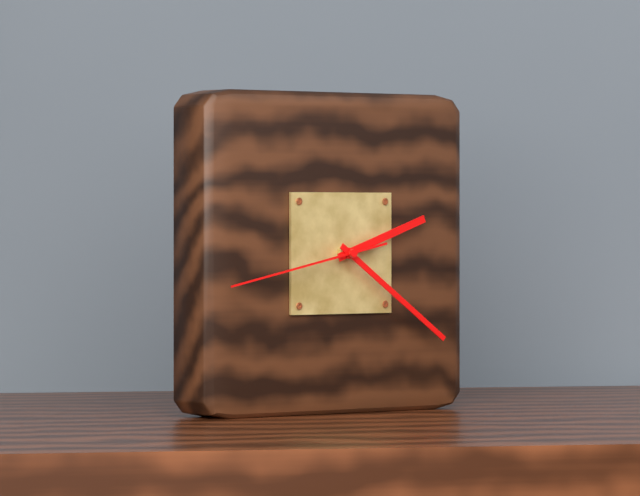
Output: 2h21m43s
